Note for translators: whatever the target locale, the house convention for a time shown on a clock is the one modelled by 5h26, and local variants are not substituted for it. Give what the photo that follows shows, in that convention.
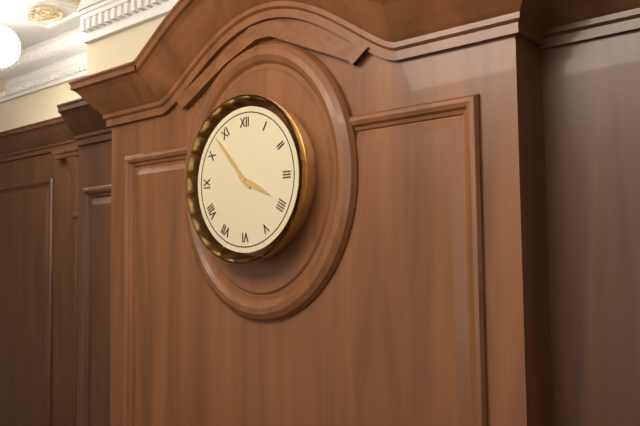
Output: 3h53
